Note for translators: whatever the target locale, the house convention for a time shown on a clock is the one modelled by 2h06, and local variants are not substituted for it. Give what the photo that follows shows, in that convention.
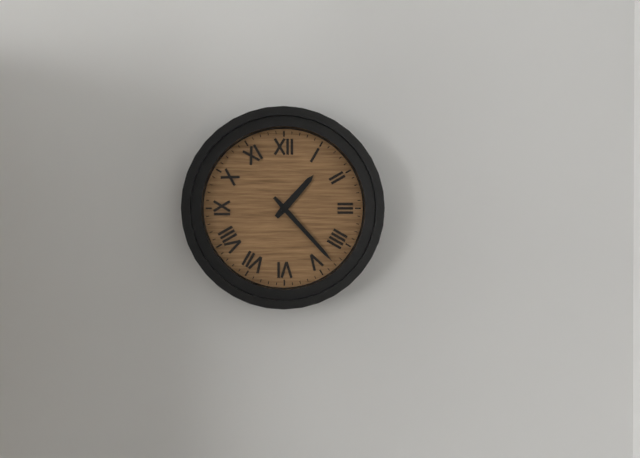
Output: 1h23
